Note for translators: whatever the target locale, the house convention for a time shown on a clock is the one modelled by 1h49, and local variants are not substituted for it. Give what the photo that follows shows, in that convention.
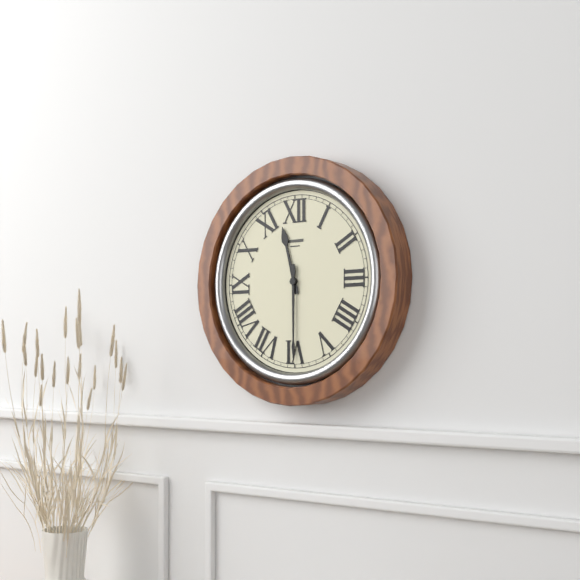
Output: 11h30
